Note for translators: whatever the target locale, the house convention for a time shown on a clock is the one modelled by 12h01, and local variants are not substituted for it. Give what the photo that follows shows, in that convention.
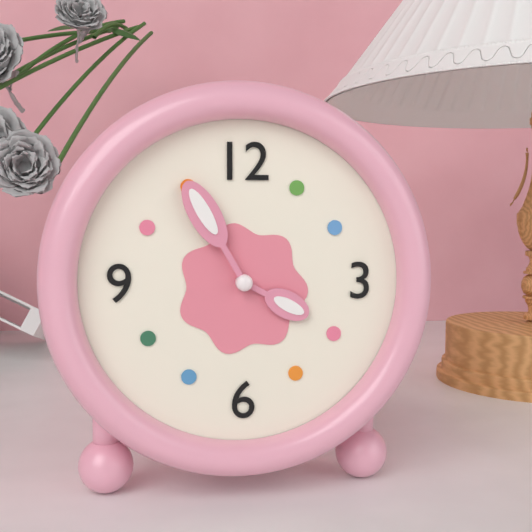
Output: 3h55
